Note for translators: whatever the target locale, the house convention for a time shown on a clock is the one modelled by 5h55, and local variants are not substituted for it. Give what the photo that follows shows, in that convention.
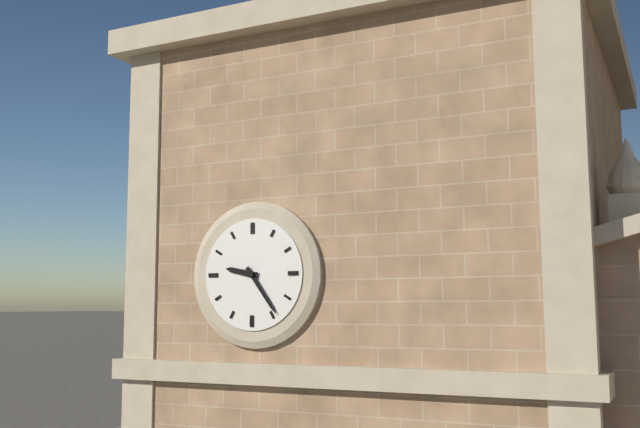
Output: 9h24
